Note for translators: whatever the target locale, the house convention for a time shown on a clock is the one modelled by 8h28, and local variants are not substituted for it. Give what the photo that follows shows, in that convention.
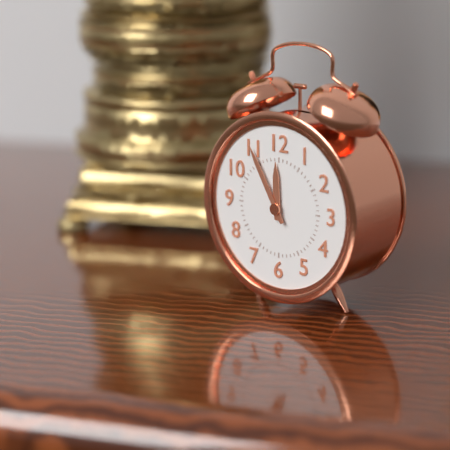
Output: 11h55
